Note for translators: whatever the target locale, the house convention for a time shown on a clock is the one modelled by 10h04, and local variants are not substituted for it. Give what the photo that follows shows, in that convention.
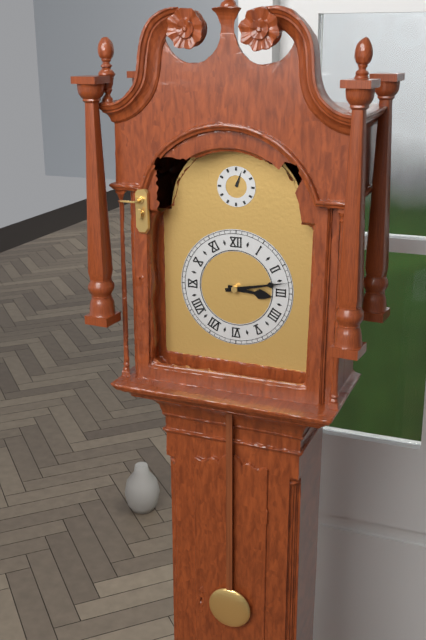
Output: 3h13
